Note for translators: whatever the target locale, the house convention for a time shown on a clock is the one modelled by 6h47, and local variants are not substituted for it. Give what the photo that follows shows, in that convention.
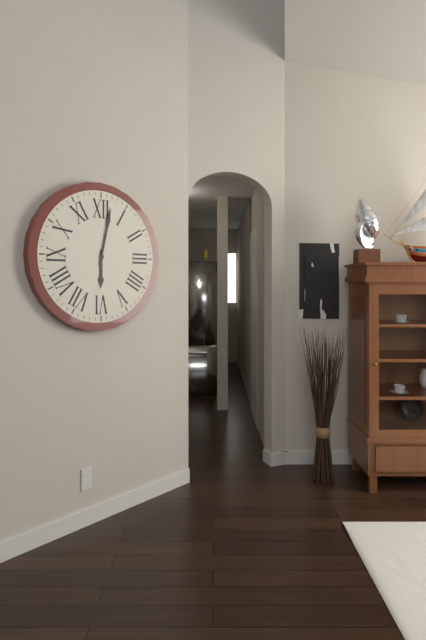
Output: 6h02
